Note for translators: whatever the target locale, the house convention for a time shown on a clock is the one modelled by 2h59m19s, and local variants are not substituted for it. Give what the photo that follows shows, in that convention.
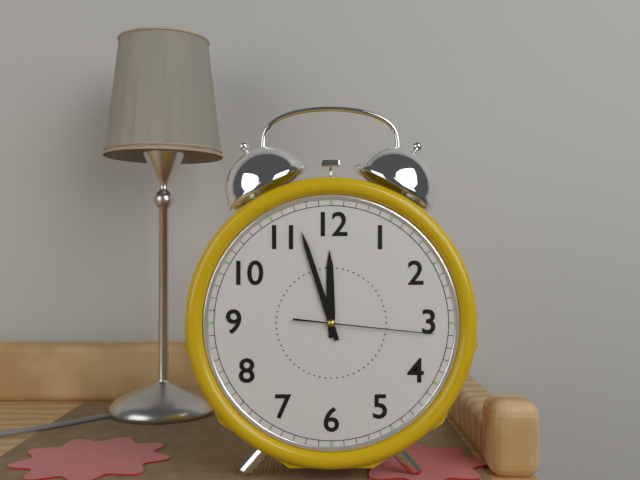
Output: 11h57m16s
